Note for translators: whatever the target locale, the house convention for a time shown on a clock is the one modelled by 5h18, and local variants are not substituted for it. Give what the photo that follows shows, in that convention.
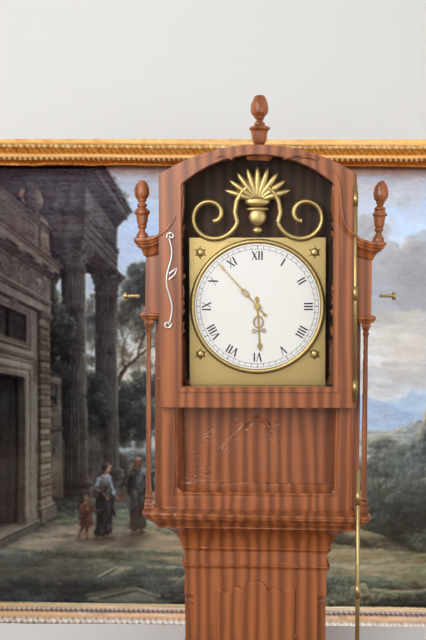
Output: 5h53
